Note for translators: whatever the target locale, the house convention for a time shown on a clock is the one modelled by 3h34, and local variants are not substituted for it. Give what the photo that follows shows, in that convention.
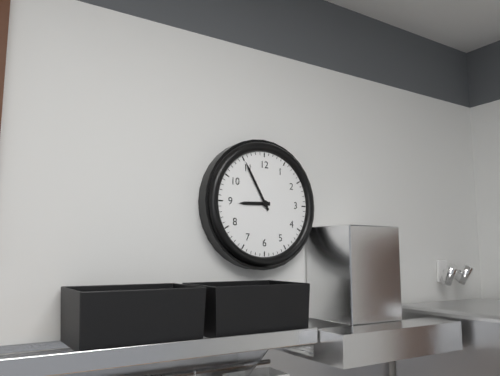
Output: 8h55
